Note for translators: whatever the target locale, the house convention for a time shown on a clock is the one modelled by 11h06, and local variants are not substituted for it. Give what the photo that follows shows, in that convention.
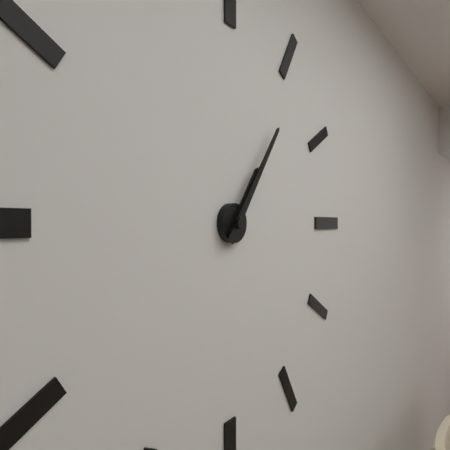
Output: 1h06
